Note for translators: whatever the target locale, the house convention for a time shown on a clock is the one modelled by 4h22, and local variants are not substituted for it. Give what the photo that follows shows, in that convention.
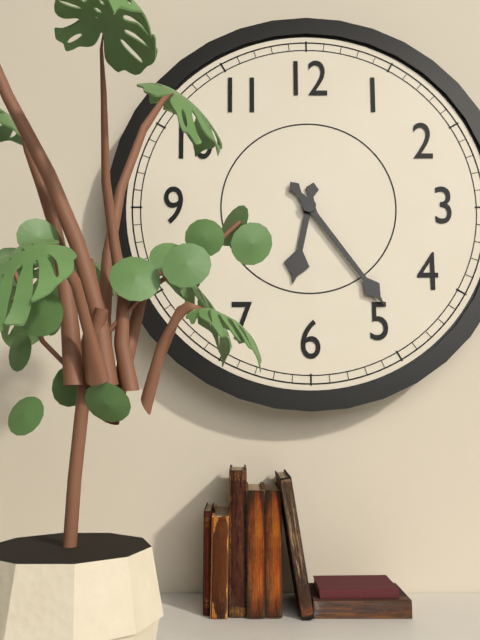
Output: 6h24
